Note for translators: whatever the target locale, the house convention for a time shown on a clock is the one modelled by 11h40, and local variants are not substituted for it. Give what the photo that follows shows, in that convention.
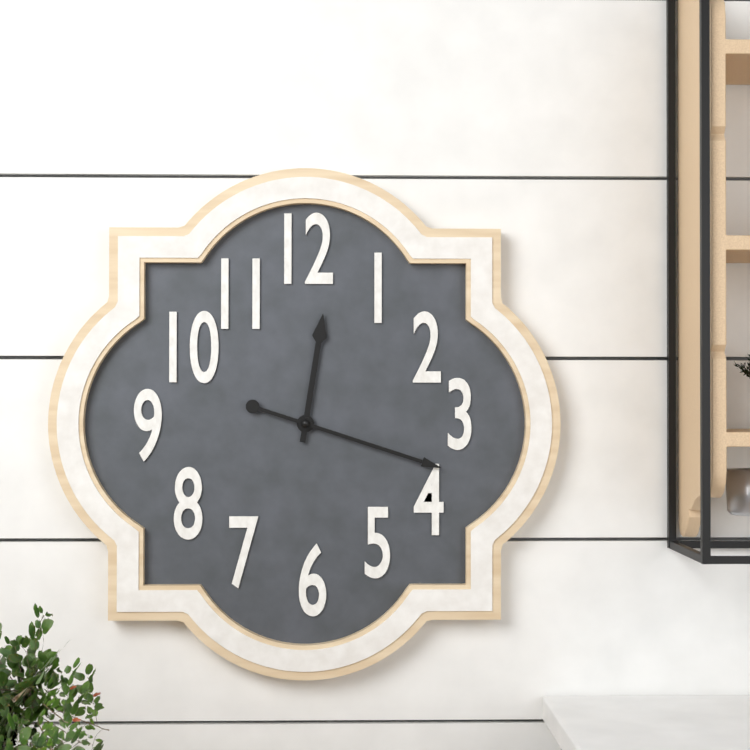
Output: 12h18
